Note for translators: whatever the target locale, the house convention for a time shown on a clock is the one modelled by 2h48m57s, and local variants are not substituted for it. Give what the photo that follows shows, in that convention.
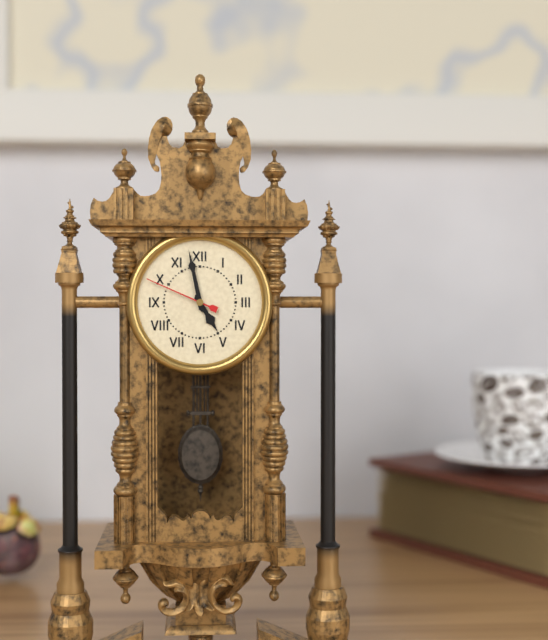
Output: 4h58m49s
